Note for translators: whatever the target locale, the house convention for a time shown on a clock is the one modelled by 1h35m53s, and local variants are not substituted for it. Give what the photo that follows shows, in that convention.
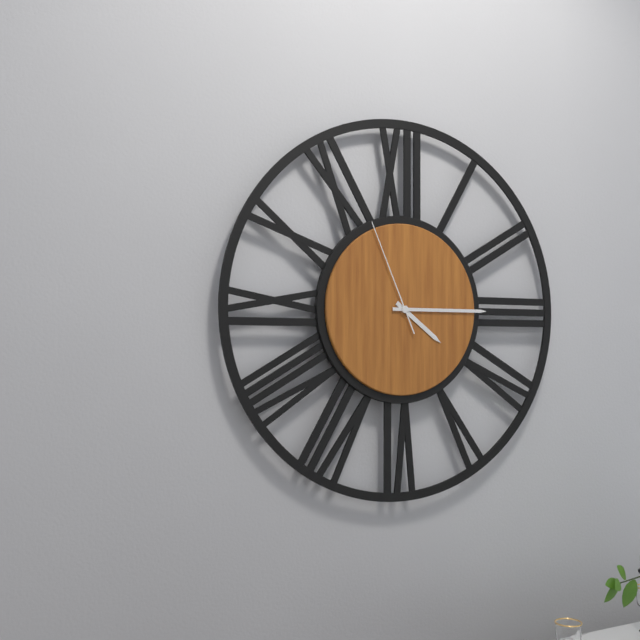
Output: 4h15m56s
